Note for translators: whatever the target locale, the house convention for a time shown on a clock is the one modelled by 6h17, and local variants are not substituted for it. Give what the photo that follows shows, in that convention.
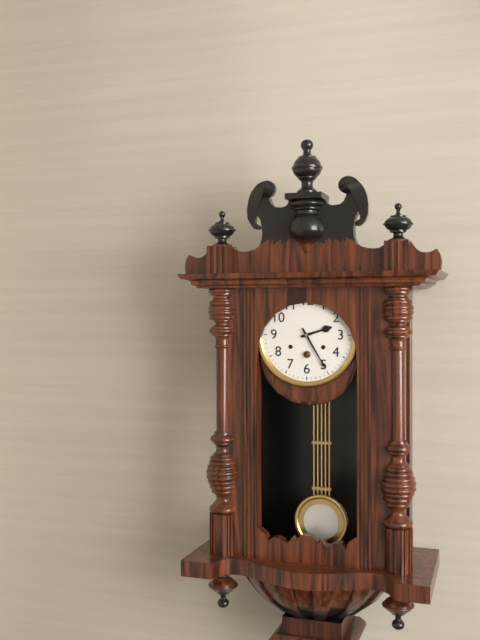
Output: 2h25
